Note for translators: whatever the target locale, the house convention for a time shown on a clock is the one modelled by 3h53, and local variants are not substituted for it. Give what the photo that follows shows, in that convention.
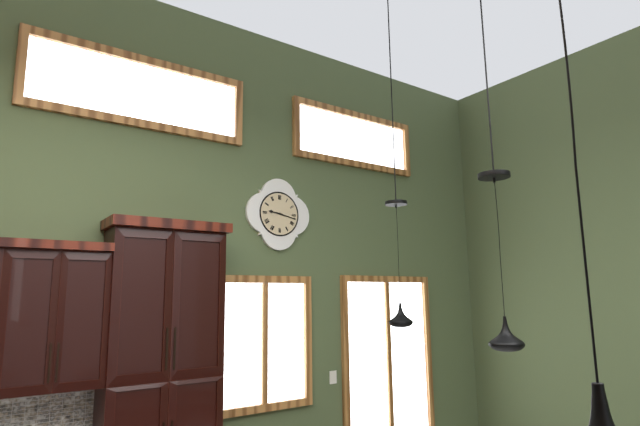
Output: 9h17
